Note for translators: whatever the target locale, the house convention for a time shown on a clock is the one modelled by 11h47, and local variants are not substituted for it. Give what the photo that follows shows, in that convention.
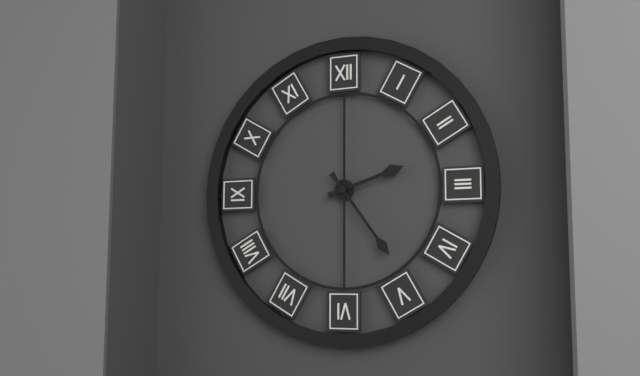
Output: 2h24
